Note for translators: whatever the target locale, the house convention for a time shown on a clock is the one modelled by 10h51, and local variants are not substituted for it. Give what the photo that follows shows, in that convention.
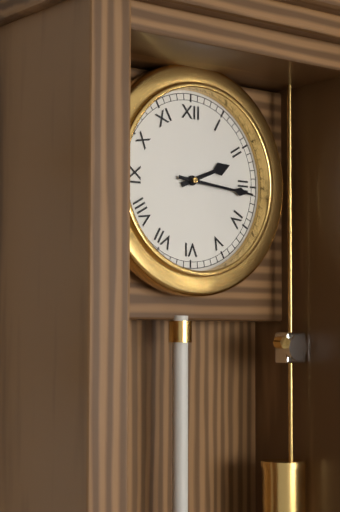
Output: 2h16
